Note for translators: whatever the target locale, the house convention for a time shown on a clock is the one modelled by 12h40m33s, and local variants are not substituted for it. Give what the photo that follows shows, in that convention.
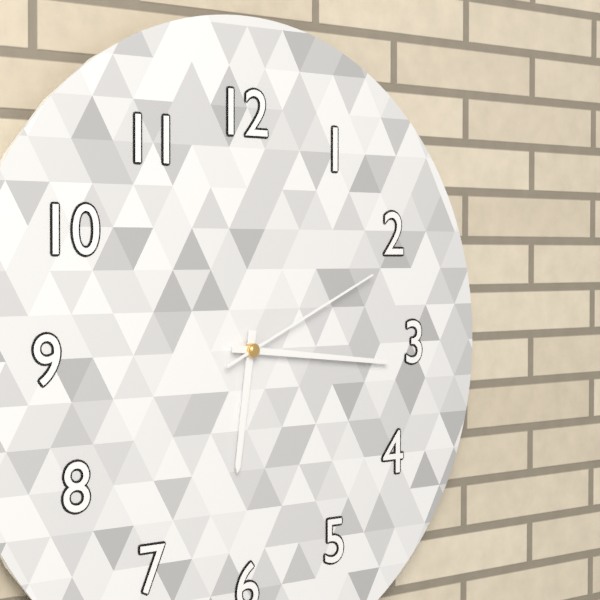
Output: 6h16m11s
